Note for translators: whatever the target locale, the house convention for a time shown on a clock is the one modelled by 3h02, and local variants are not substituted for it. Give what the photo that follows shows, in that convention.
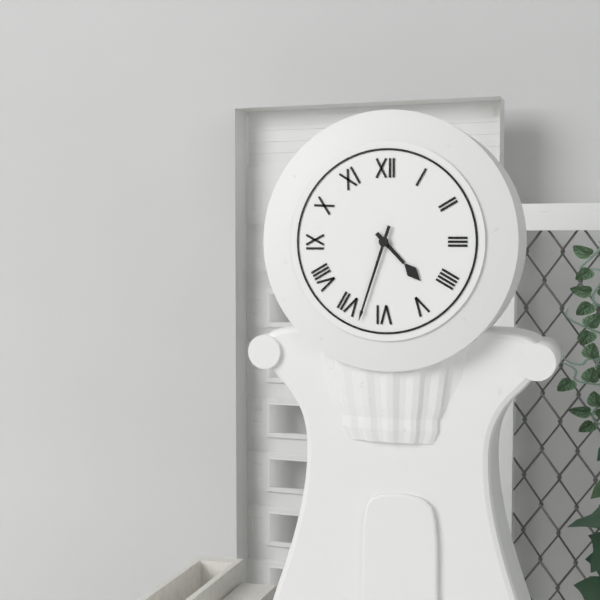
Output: 4h33
